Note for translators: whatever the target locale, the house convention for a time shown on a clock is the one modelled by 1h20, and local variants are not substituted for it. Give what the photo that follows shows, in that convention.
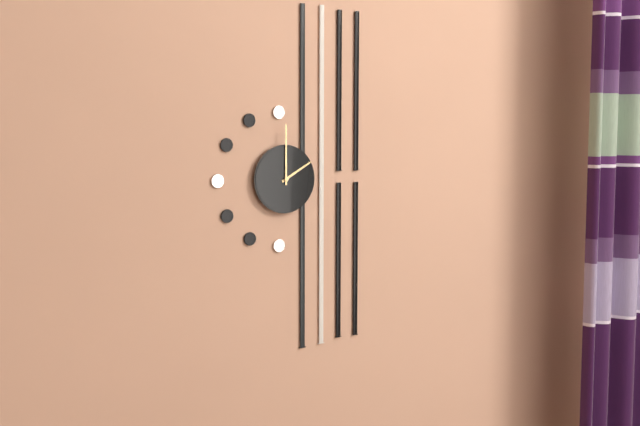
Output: 2h00
